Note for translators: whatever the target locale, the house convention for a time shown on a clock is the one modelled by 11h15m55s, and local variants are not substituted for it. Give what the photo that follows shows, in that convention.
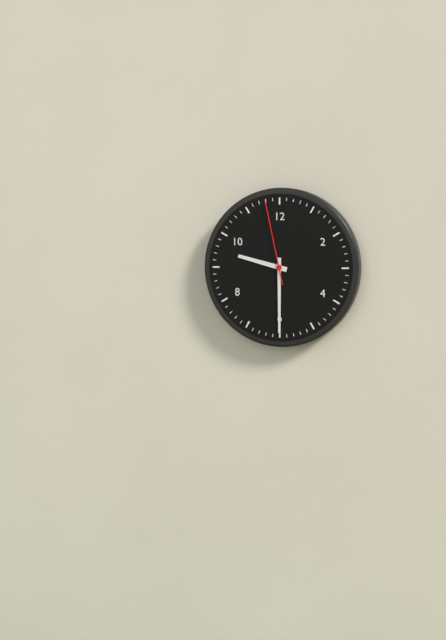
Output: 9h30m58s
